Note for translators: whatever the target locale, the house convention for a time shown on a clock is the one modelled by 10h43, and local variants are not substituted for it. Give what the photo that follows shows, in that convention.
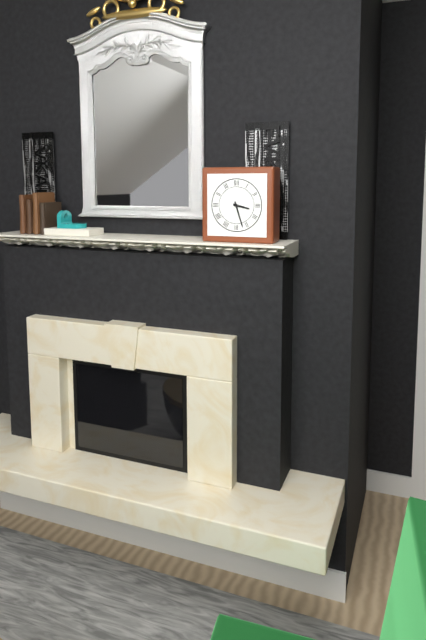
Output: 3h27
